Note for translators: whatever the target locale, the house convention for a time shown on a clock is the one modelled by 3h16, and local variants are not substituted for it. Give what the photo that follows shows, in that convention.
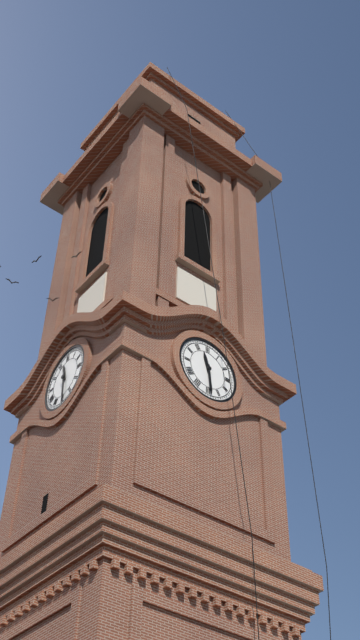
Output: 11h29
